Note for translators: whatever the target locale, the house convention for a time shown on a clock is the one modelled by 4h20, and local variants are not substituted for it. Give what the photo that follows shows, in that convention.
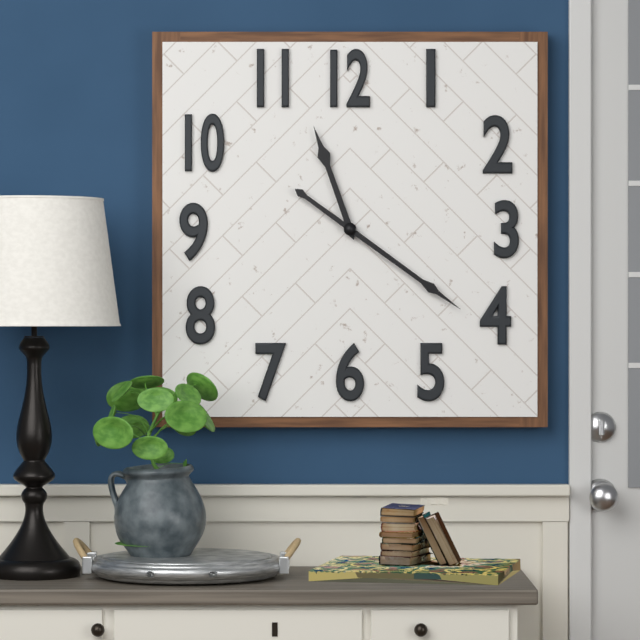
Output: 11h21
